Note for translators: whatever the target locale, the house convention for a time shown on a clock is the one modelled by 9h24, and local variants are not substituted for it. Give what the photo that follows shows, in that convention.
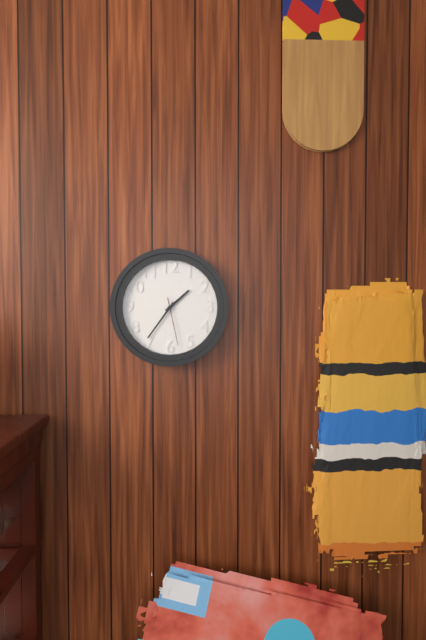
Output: 1h36
